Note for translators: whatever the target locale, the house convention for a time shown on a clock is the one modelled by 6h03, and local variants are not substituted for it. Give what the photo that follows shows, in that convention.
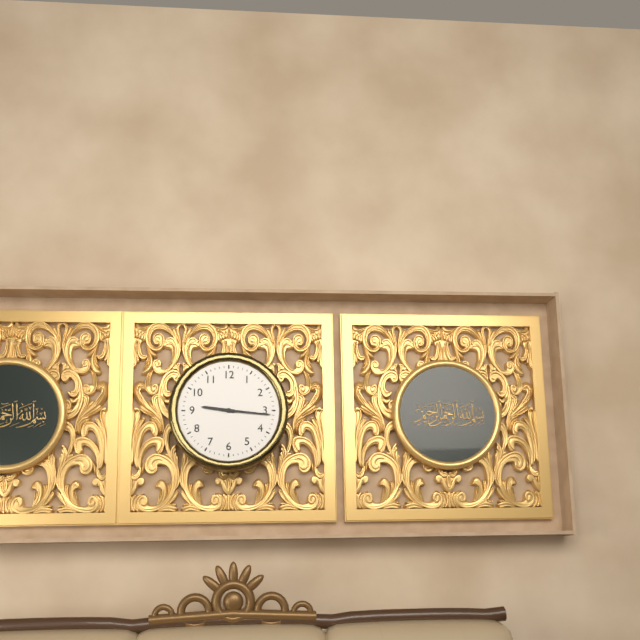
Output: 9h16
